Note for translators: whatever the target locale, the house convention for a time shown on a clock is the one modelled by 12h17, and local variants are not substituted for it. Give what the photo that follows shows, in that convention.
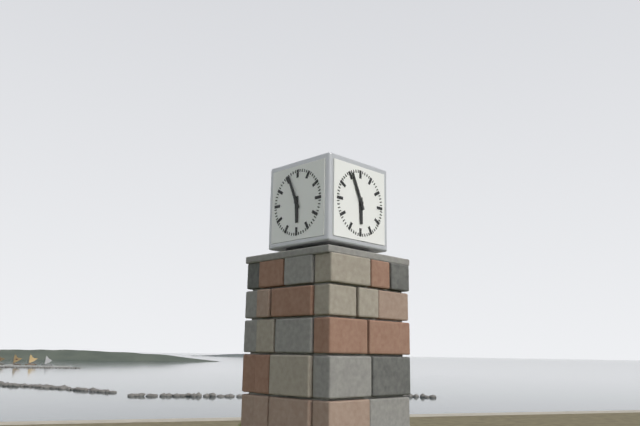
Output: 5h56
